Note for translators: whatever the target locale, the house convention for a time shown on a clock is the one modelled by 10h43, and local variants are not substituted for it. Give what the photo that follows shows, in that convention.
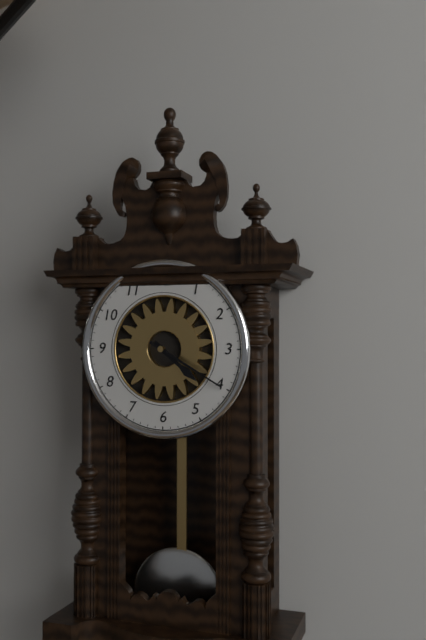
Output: 4h20
